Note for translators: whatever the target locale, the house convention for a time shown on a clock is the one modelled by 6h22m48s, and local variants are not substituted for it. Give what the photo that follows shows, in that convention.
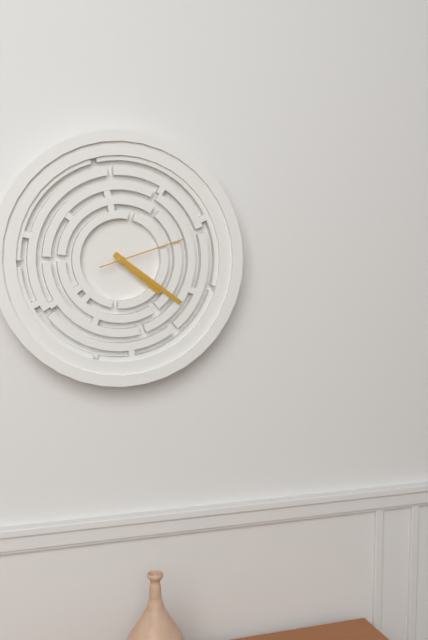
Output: 4h21m12s
